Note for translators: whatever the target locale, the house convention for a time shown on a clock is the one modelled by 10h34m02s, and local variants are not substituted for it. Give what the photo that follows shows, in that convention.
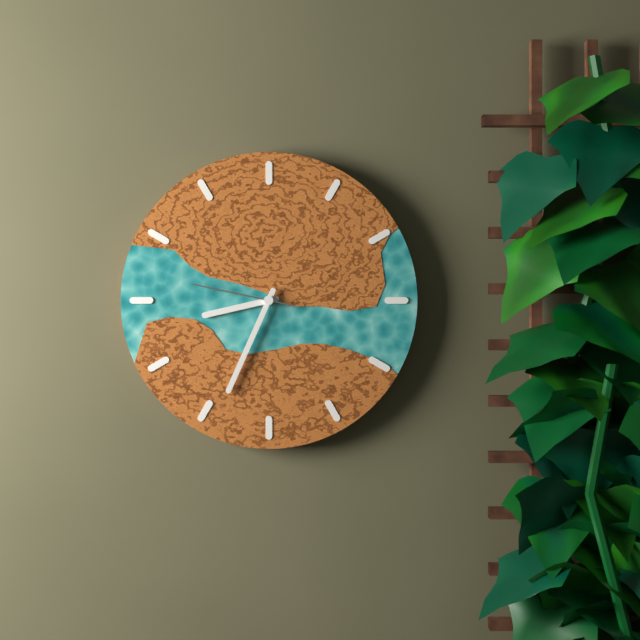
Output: 8h34m47s
